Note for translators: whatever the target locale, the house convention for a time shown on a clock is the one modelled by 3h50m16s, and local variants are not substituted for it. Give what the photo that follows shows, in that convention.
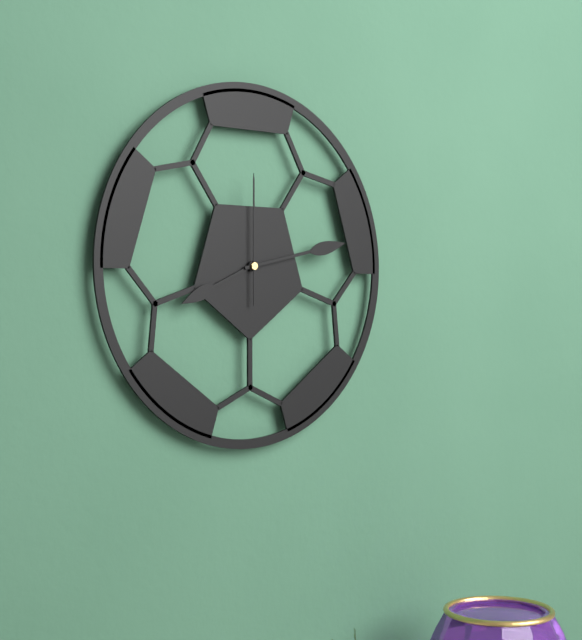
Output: 8h13m00s
